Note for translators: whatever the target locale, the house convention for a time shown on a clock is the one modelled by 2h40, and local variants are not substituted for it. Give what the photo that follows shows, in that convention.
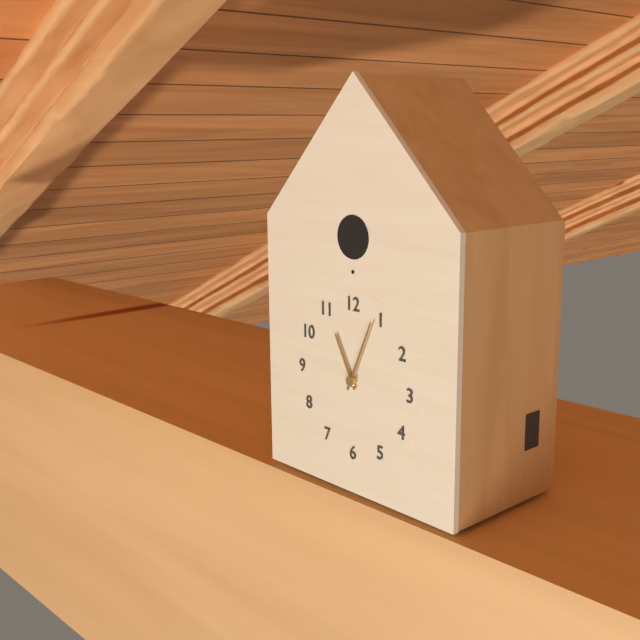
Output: 11h04
